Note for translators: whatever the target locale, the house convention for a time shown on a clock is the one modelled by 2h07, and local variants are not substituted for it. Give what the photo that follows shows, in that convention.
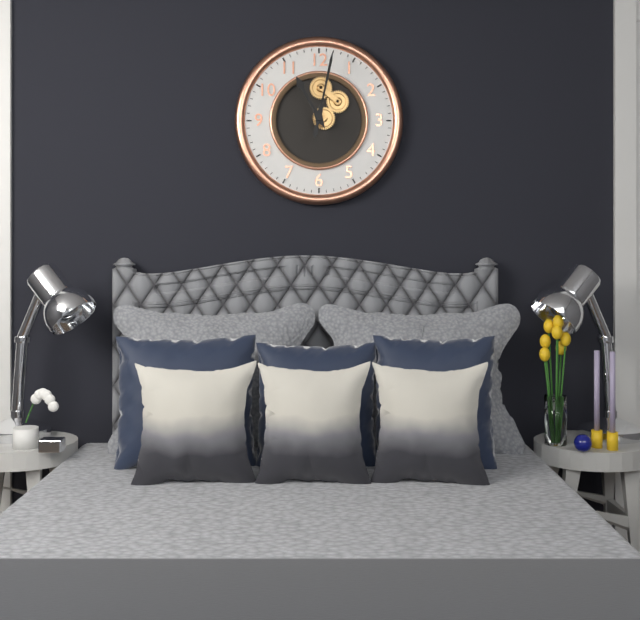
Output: 11h02
